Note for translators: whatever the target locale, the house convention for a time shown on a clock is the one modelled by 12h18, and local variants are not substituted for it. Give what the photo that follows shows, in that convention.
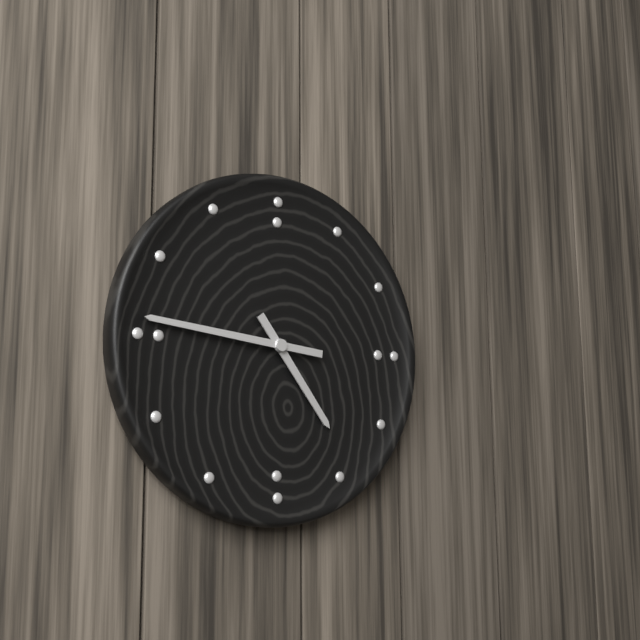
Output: 4h46
